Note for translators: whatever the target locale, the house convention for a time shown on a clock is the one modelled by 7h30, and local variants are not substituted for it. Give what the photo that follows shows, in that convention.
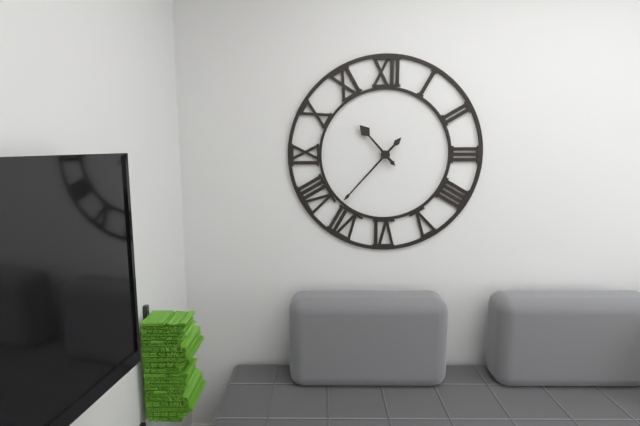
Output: 10h37
